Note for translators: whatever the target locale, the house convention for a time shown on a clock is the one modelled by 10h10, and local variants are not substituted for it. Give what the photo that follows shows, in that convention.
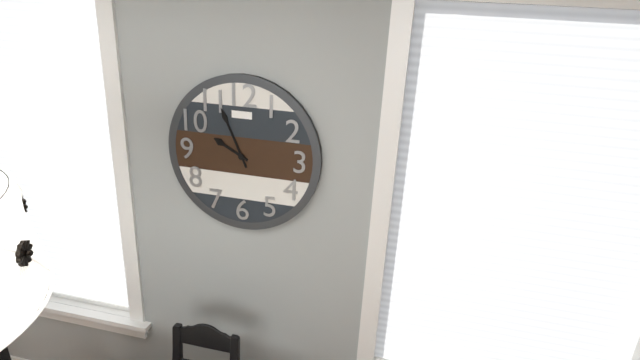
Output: 9h56
